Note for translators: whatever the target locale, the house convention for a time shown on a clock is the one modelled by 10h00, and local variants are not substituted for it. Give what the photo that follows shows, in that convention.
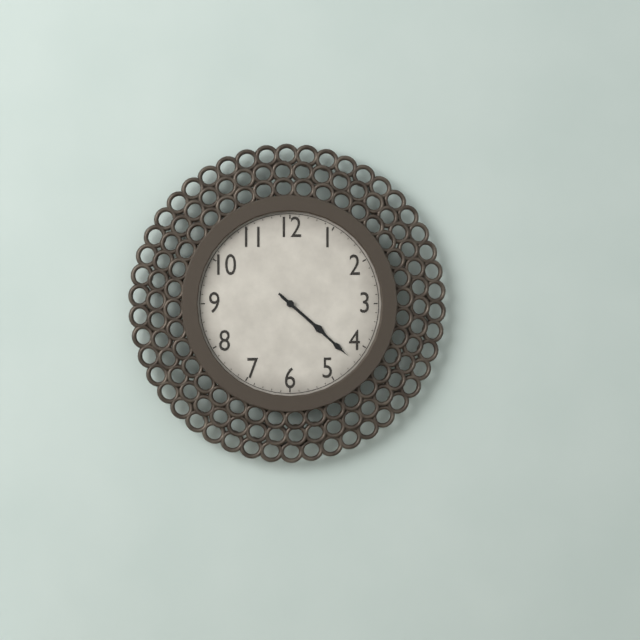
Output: 4h22
